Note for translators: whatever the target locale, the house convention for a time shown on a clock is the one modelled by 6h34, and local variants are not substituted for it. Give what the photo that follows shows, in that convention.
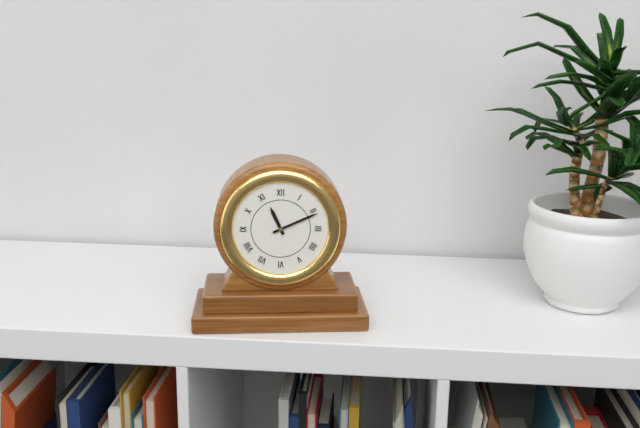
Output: 11h11
